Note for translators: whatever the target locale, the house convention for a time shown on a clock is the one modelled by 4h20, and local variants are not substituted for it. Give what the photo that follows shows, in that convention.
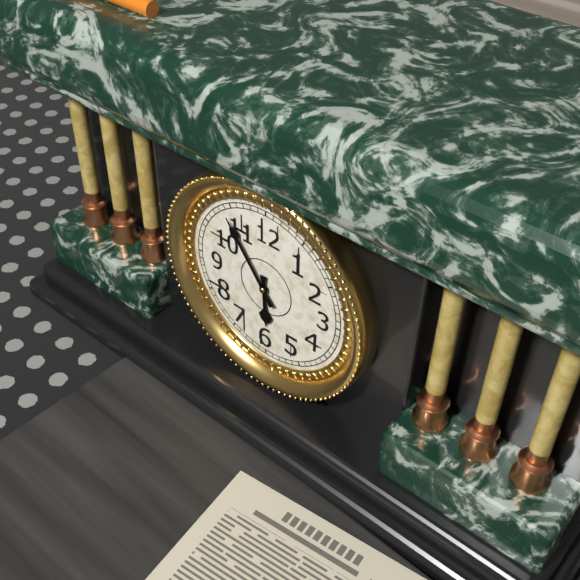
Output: 5h54
